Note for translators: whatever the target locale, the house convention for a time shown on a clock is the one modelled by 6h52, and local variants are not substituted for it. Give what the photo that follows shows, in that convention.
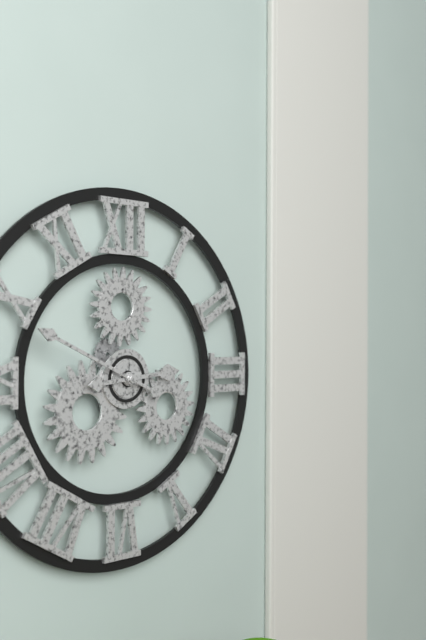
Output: 2h49
